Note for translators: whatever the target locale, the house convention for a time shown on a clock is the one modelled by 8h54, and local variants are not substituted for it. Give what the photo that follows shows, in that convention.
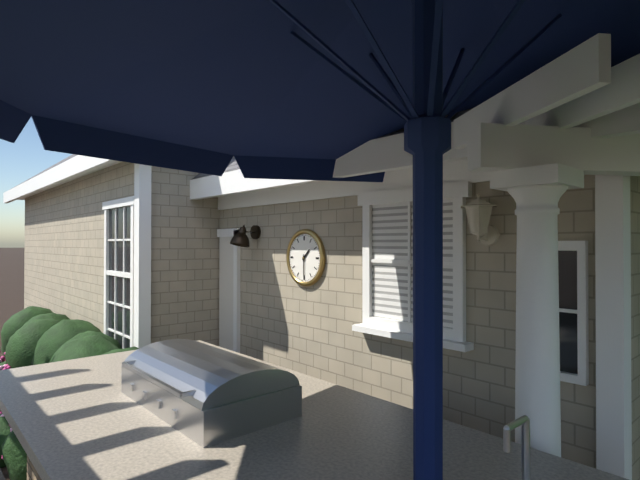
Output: 1h30
